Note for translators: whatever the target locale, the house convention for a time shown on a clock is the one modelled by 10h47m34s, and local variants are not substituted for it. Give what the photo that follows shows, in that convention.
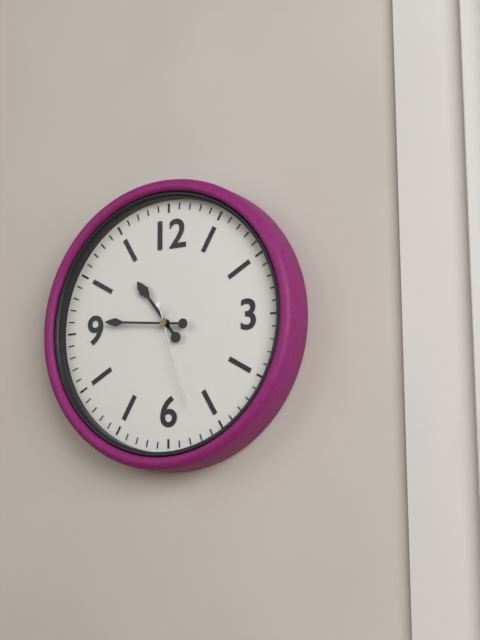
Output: 10h46m27s
